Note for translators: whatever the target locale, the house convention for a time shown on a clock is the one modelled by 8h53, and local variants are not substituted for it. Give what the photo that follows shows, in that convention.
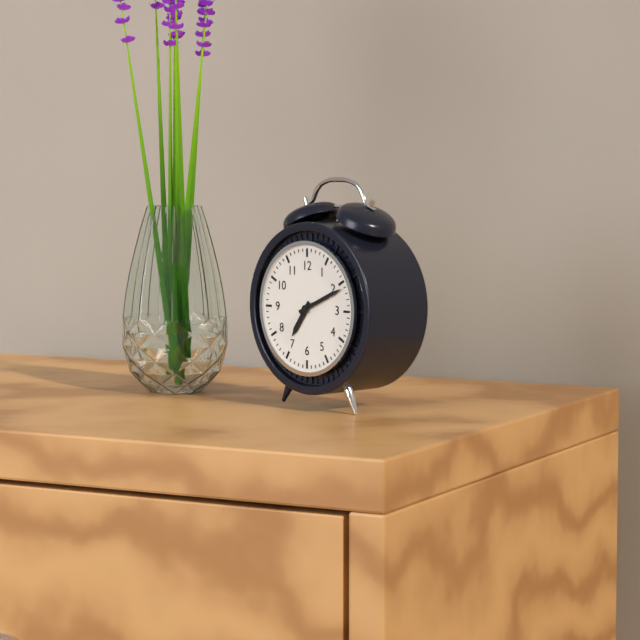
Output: 7h11
